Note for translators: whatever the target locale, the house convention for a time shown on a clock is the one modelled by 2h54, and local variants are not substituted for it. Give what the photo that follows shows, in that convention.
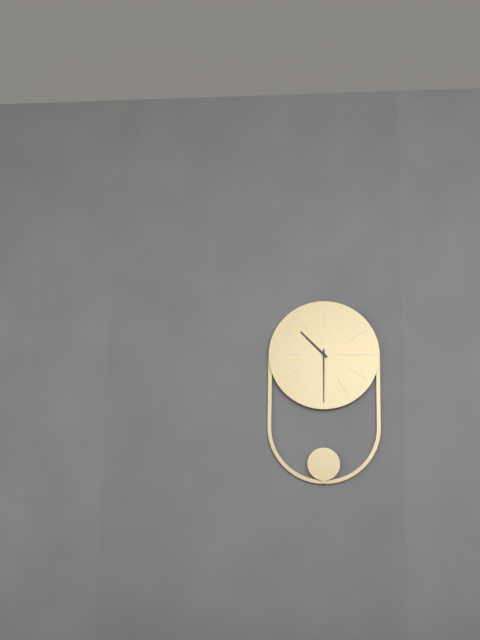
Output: 10h30
